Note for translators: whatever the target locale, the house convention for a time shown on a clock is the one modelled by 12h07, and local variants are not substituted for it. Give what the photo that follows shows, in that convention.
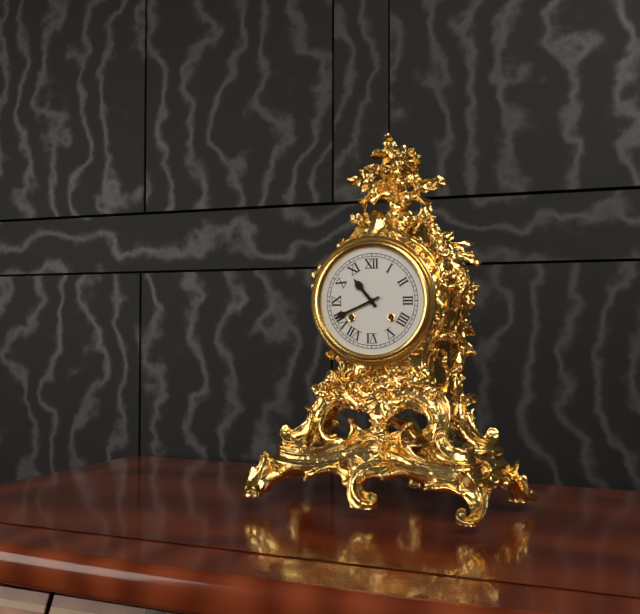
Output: 10h41
